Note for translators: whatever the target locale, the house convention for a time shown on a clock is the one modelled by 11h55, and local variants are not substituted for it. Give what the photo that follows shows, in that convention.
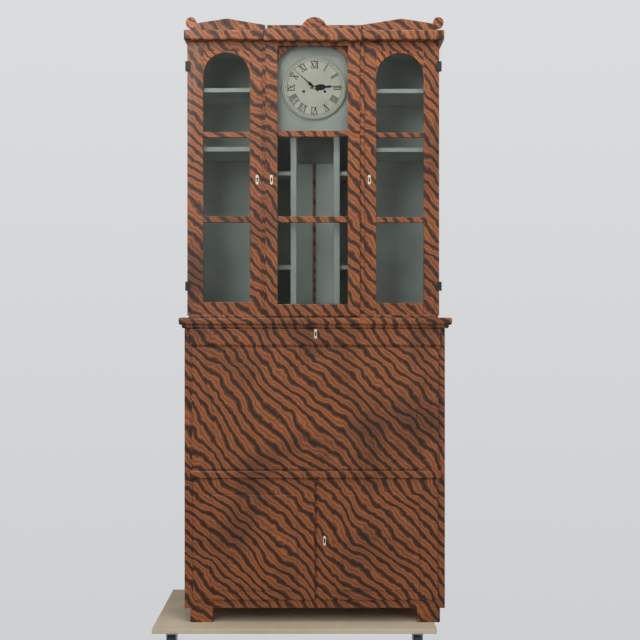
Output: 2h52
